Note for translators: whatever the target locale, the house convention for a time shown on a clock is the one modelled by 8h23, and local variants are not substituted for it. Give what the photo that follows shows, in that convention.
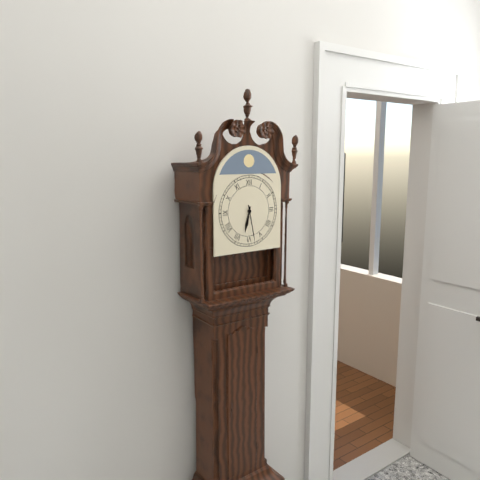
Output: 6h28
